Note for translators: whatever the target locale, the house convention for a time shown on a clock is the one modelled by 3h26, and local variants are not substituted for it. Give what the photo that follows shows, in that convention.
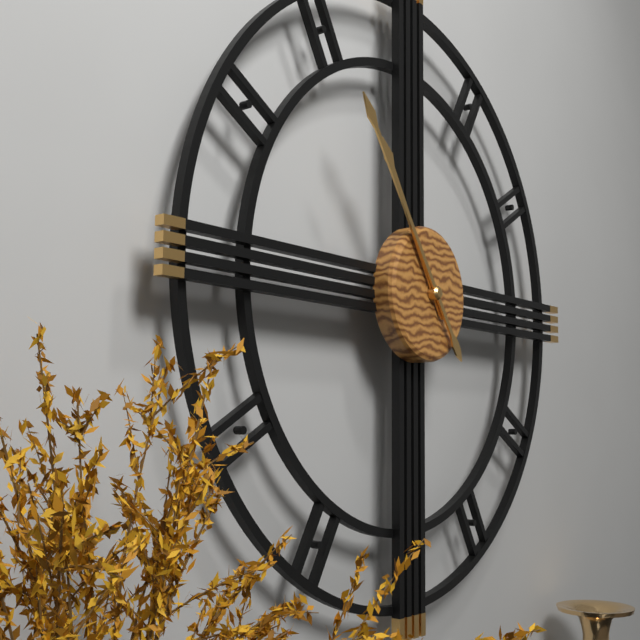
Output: 10h54
